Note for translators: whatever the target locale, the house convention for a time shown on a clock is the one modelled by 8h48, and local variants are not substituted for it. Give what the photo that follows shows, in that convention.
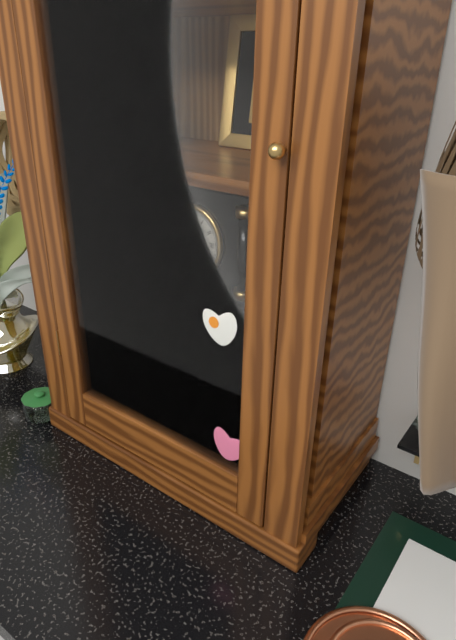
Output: 1h20
